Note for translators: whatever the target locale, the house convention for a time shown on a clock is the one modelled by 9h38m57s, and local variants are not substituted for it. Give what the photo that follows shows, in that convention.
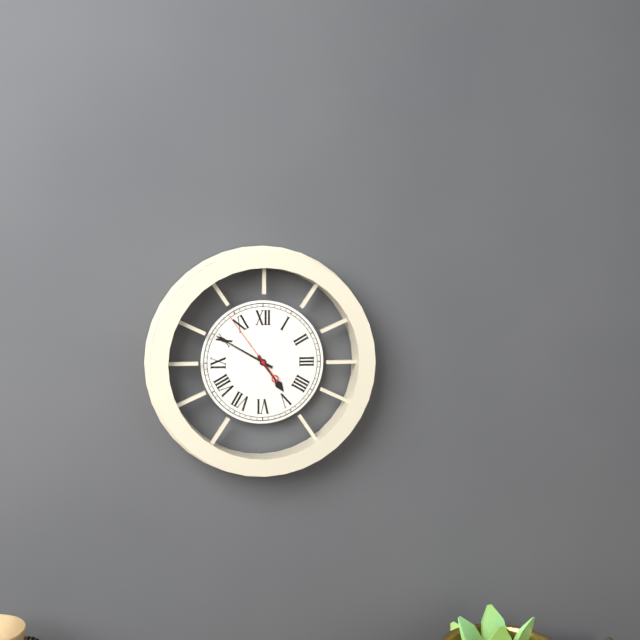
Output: 4h50m54s
